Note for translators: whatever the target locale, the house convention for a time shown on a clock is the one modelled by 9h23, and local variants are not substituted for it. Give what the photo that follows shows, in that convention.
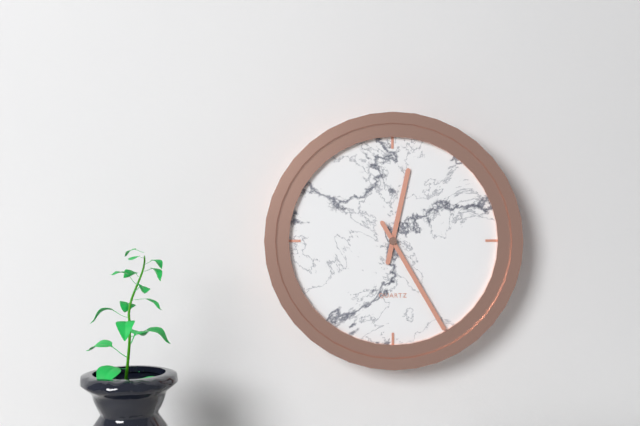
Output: 12h25
